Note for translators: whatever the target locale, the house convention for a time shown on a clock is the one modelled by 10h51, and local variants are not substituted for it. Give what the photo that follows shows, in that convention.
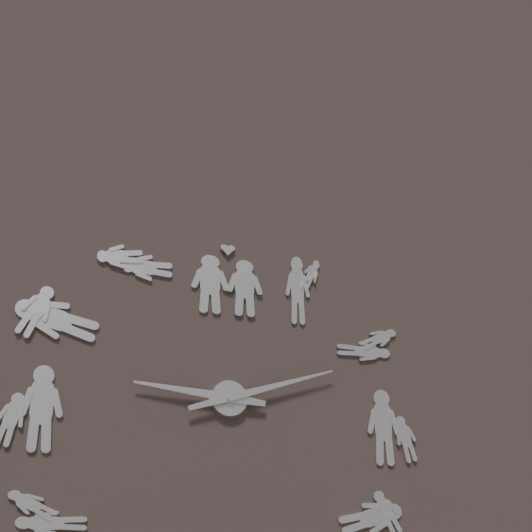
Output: 9h12
